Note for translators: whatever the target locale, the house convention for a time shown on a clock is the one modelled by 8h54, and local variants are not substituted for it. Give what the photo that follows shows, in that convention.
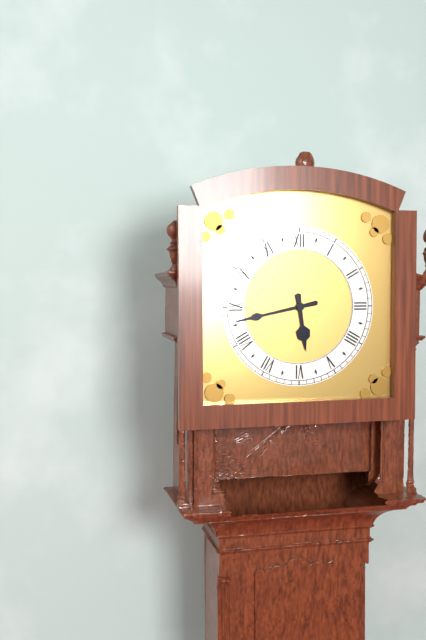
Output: 5h43
